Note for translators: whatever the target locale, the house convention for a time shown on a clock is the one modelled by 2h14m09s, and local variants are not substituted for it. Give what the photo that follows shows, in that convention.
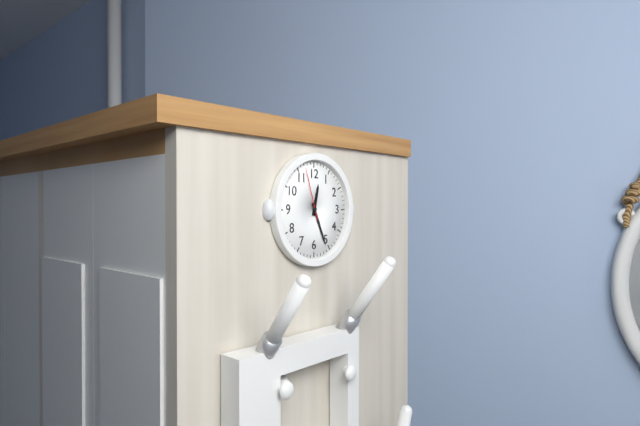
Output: 12h26m57s
